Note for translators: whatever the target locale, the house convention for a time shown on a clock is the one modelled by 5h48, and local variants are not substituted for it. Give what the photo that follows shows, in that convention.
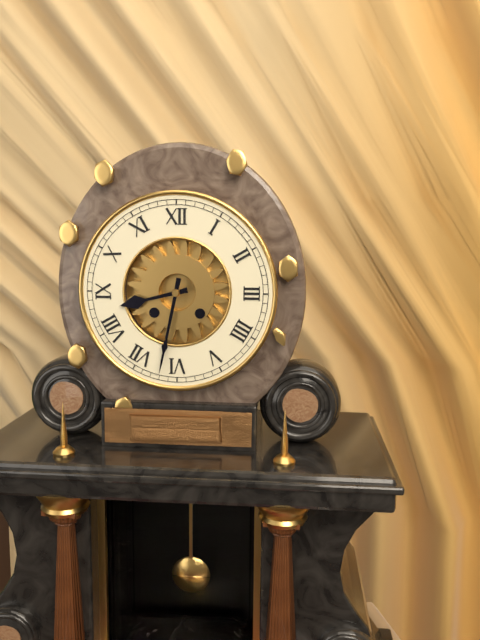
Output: 8h32
